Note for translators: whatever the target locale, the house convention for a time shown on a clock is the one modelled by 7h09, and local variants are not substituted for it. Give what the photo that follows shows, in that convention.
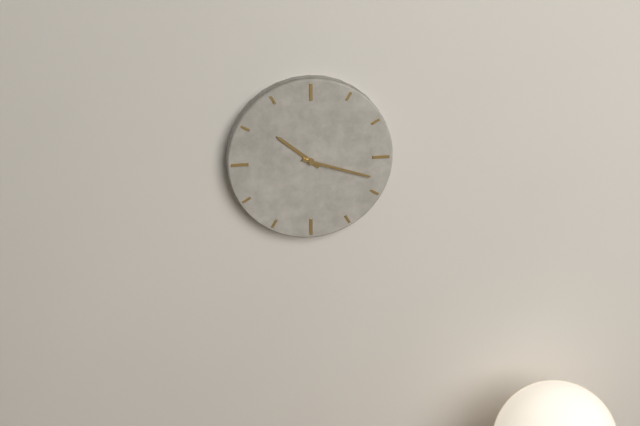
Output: 10h18
